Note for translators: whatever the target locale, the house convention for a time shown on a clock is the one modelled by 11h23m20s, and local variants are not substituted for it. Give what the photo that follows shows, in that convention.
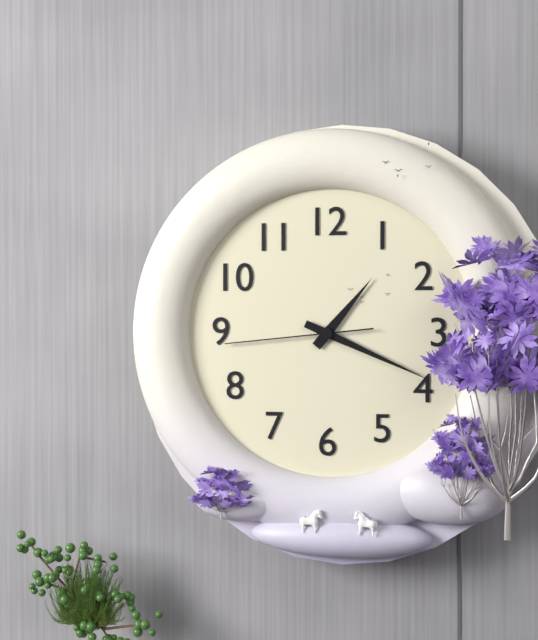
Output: 1h19m44s
